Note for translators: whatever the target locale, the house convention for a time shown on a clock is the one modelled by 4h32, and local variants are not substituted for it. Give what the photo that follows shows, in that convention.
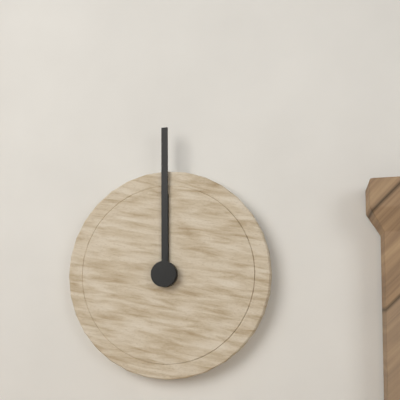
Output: 12h00
